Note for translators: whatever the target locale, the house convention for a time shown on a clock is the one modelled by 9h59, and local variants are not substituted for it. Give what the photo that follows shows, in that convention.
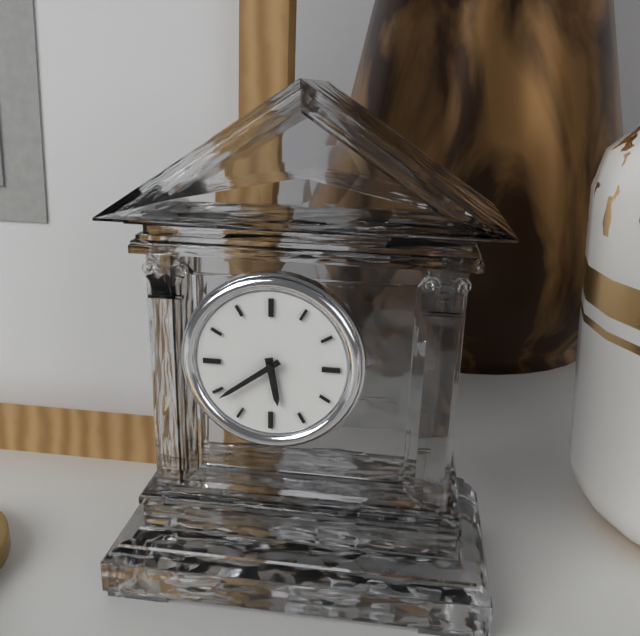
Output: 5h39
